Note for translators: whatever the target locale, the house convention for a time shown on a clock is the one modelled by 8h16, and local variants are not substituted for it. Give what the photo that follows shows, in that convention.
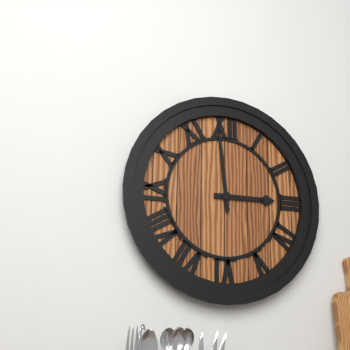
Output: 2h59
